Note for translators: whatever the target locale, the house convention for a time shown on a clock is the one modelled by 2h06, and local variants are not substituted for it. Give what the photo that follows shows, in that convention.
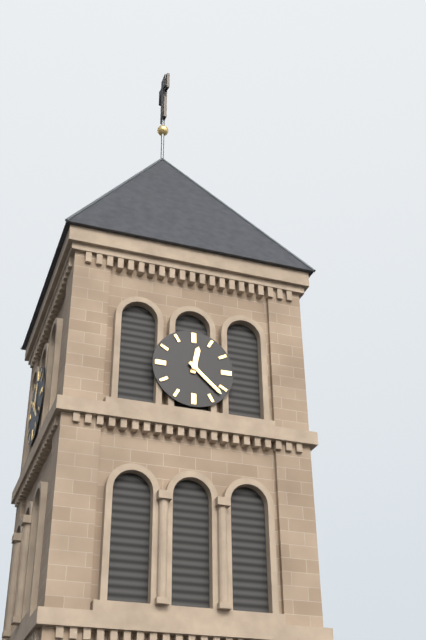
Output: 12h22
